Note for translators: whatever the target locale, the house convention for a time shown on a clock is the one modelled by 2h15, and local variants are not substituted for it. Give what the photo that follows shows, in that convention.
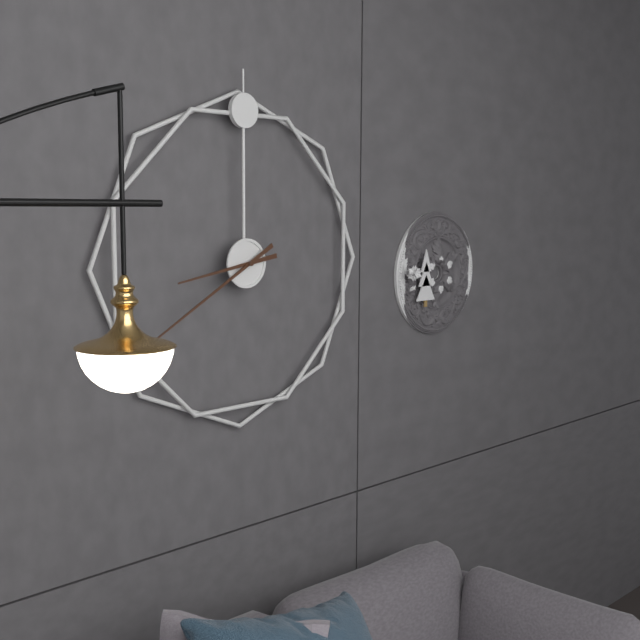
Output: 8h40
